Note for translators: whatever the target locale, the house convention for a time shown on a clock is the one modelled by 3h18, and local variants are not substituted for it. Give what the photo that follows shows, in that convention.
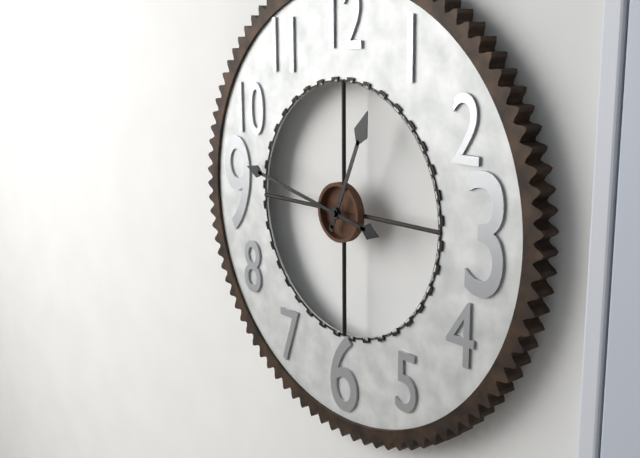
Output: 12h47
